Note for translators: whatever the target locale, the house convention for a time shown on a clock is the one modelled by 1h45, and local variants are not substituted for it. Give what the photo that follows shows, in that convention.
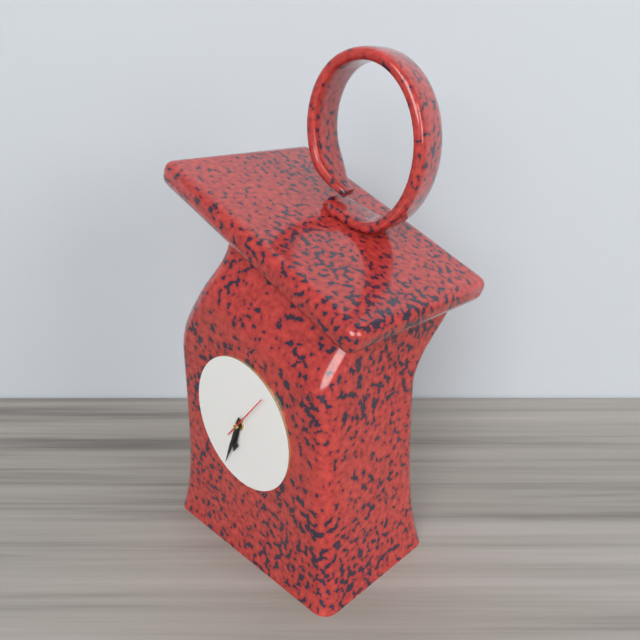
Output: 6h34
